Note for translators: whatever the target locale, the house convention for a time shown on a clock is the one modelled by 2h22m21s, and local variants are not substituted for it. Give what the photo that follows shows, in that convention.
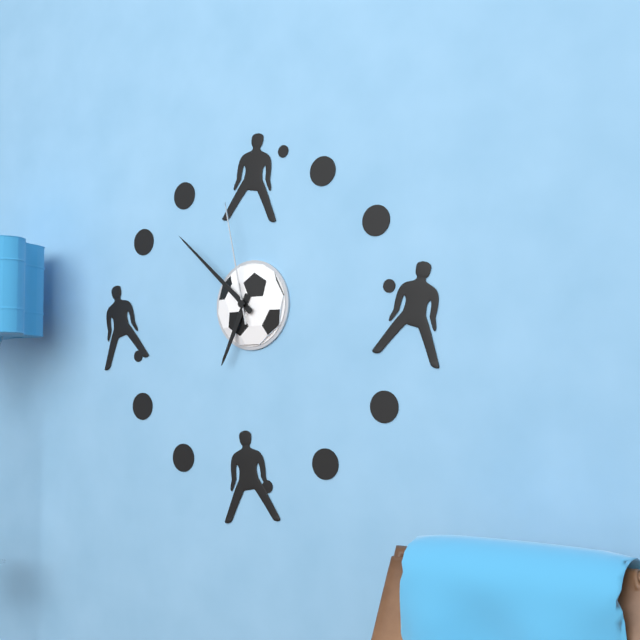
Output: 6h52m58s
